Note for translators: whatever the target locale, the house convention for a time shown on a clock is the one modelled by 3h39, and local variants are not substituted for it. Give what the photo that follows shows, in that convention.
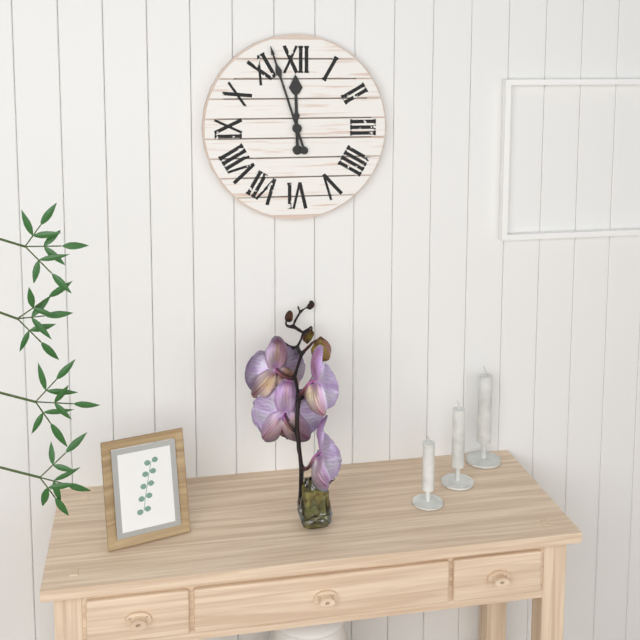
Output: 11h57
